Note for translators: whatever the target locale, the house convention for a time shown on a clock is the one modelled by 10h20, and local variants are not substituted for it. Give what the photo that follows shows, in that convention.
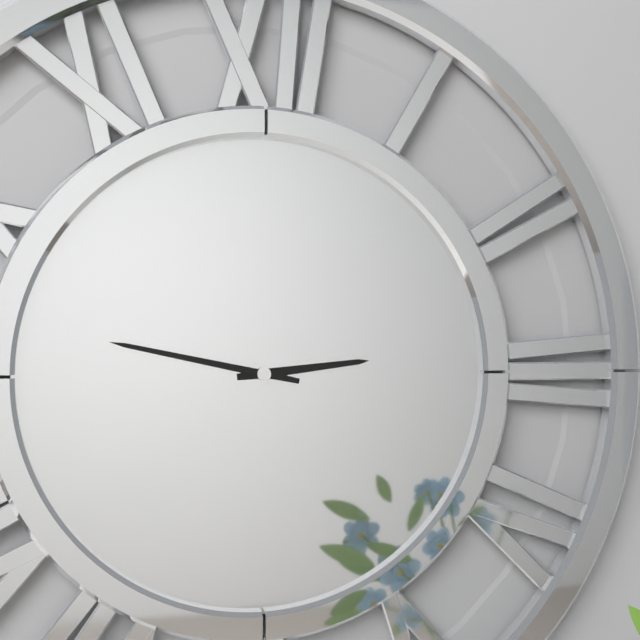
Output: 2h47
